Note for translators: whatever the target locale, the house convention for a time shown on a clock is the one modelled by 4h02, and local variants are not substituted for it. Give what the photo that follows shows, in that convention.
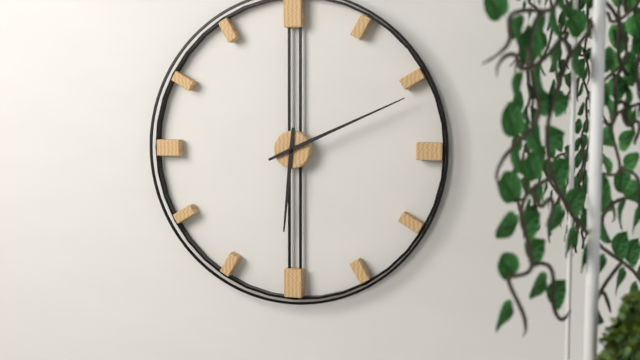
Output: 6h11
